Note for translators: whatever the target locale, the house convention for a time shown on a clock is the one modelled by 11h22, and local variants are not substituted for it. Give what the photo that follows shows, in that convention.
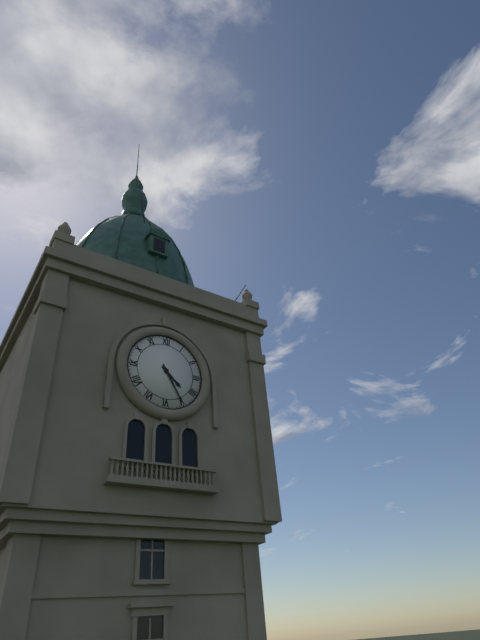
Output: 4h25
